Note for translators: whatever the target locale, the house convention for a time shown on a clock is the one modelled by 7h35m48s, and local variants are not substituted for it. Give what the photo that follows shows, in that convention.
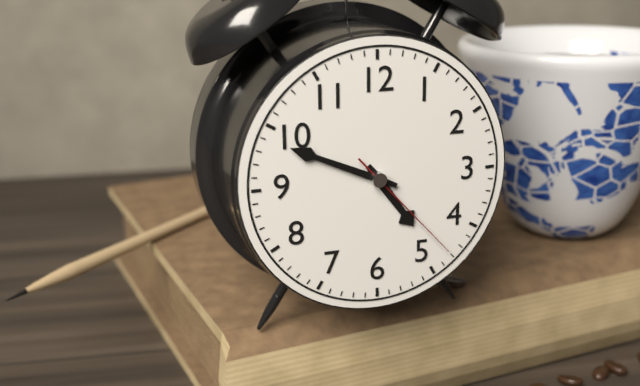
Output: 4h49m23s
